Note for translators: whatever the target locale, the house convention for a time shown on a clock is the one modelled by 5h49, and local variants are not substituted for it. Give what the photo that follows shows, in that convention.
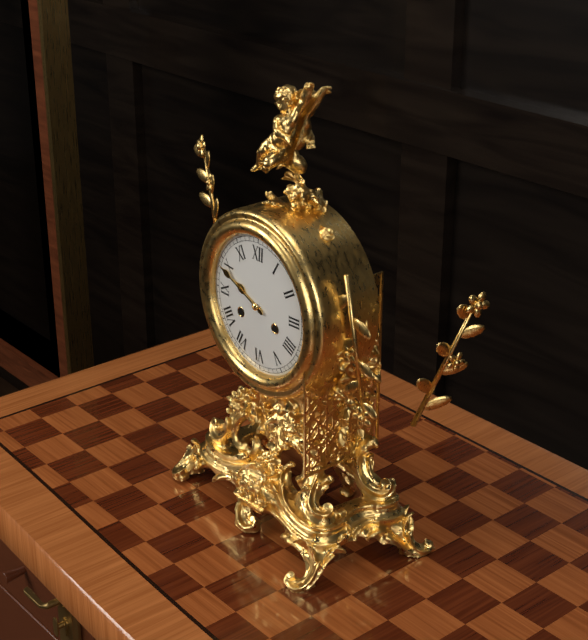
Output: 9h49
